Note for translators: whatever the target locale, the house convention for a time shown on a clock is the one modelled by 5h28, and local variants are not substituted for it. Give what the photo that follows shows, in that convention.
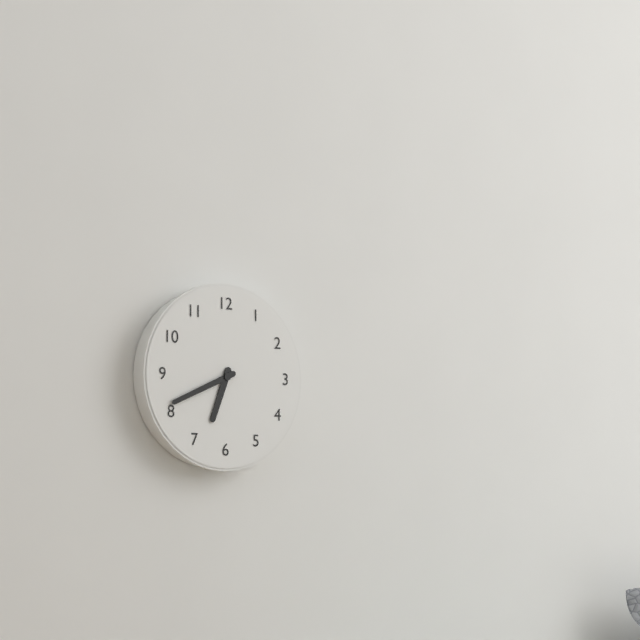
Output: 6h41
